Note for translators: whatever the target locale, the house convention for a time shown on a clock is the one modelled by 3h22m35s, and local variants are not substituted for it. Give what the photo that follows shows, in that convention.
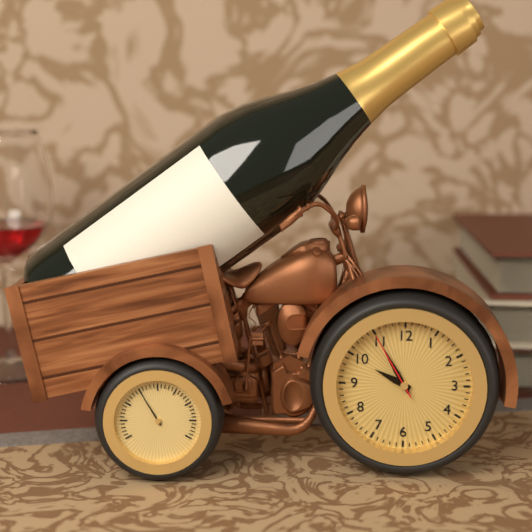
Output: 9h55m55s
